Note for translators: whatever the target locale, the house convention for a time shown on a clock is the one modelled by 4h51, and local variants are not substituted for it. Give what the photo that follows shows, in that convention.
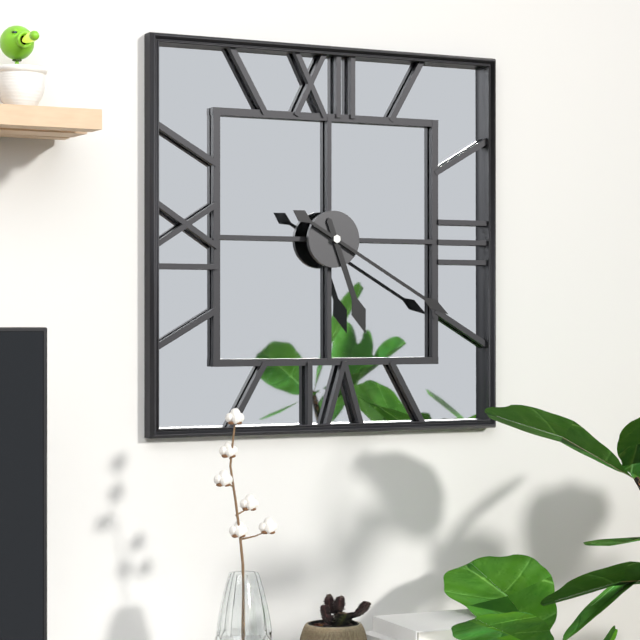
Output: 5h20
